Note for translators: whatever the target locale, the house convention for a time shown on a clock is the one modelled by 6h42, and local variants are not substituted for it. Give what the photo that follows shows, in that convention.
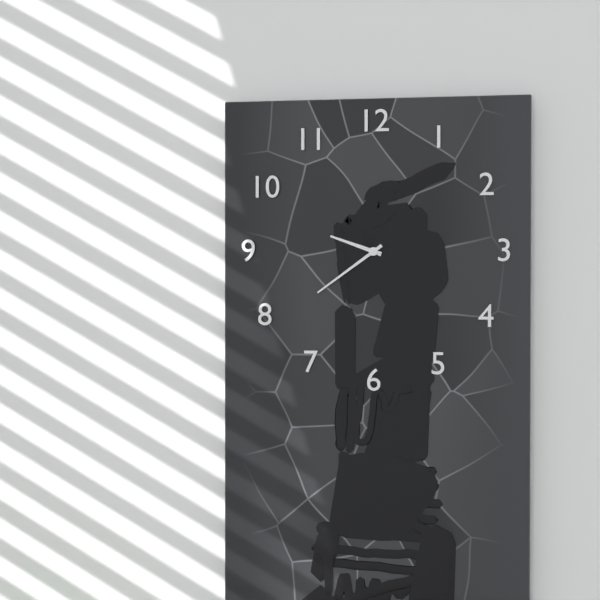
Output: 9h39
